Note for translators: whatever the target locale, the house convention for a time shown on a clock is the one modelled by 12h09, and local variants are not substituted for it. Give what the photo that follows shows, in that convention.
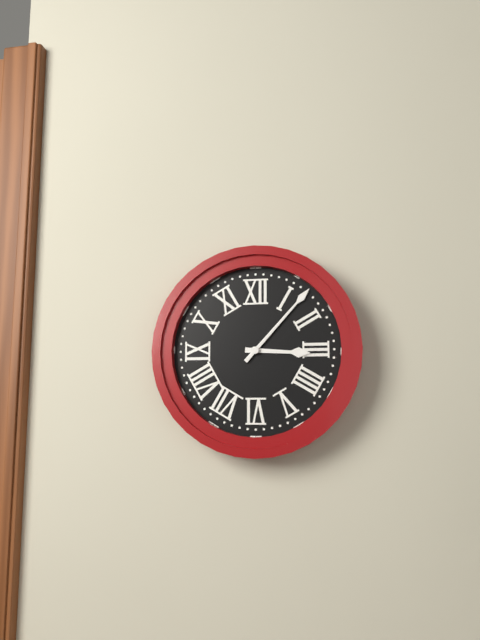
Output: 3h07
